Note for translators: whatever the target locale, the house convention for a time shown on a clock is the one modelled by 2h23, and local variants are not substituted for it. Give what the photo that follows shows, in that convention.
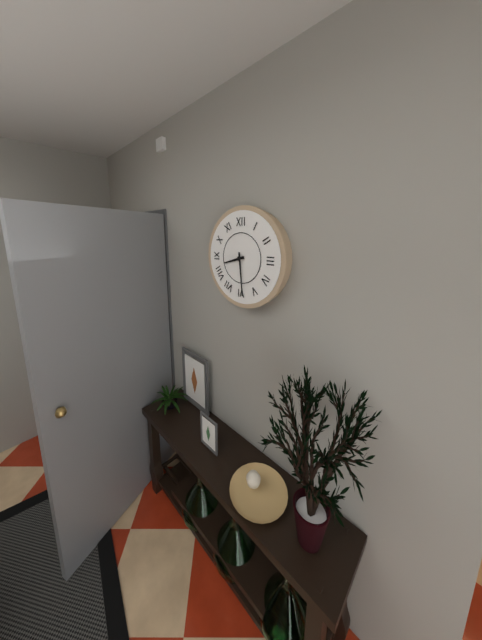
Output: 8h29
